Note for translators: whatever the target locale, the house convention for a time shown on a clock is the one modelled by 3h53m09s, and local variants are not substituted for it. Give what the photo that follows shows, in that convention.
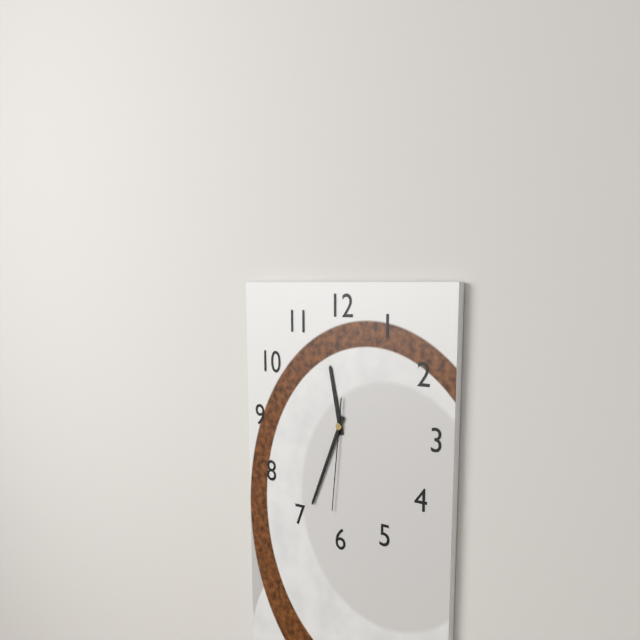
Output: 11h34m31s
